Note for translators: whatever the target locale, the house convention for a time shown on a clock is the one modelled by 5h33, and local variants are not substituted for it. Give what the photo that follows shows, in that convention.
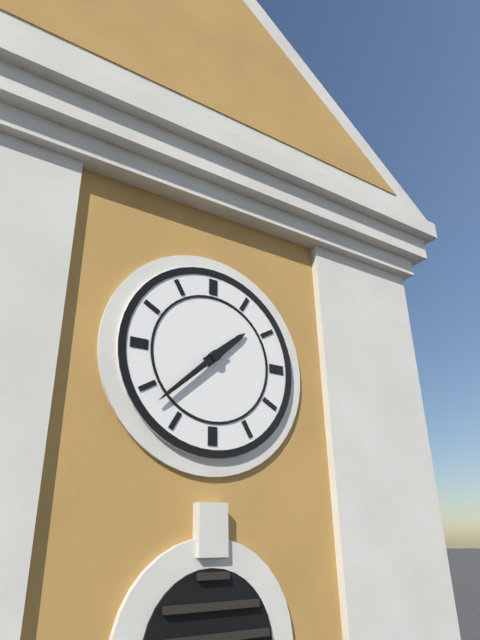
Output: 1h38
